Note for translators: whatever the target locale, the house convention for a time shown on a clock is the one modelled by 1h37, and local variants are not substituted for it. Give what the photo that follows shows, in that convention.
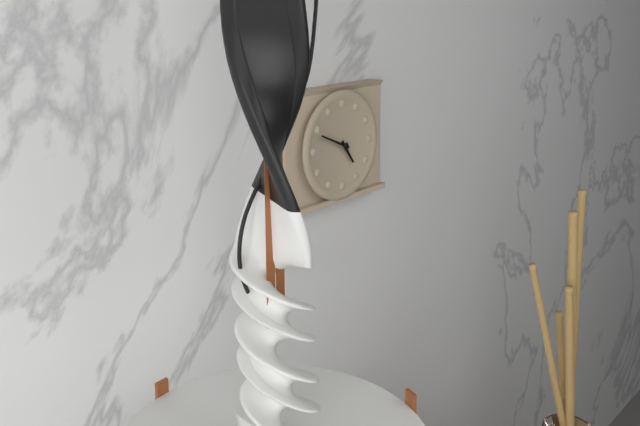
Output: 4h49
